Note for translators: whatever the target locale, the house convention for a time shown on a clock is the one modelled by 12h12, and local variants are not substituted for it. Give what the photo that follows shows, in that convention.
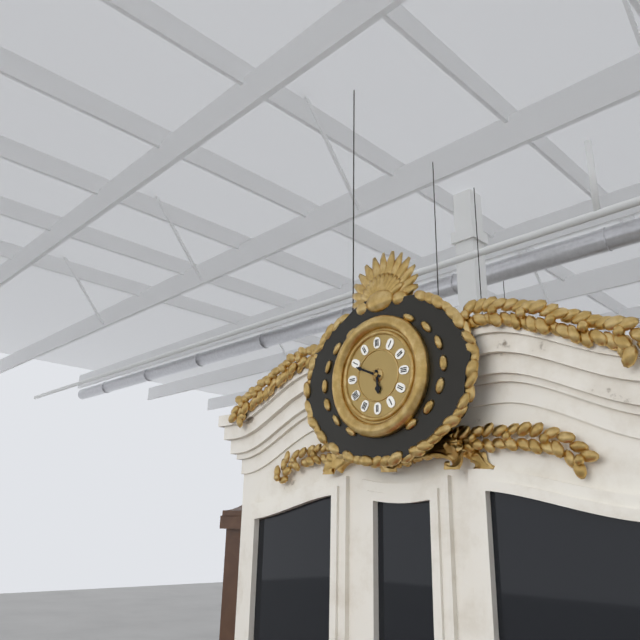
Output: 5h49
